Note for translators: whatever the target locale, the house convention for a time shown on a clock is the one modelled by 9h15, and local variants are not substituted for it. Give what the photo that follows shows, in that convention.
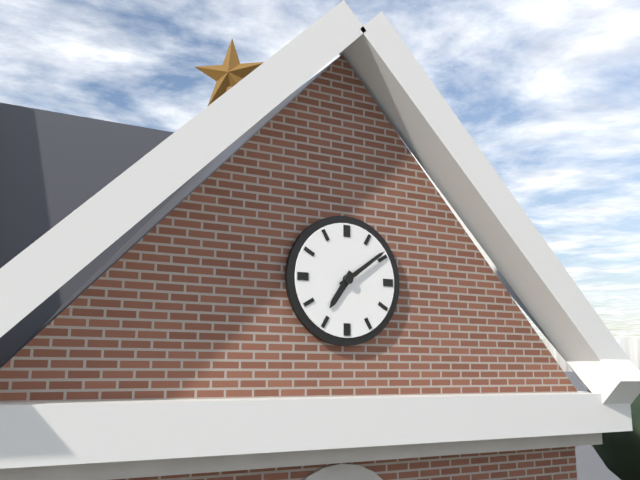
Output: 7h09
